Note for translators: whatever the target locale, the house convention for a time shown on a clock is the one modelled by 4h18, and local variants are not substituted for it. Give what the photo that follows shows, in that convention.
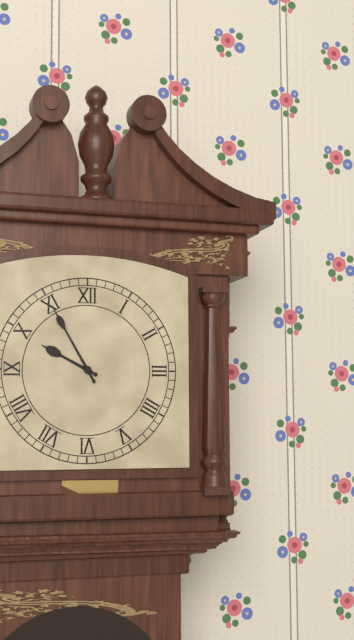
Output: 9h55
